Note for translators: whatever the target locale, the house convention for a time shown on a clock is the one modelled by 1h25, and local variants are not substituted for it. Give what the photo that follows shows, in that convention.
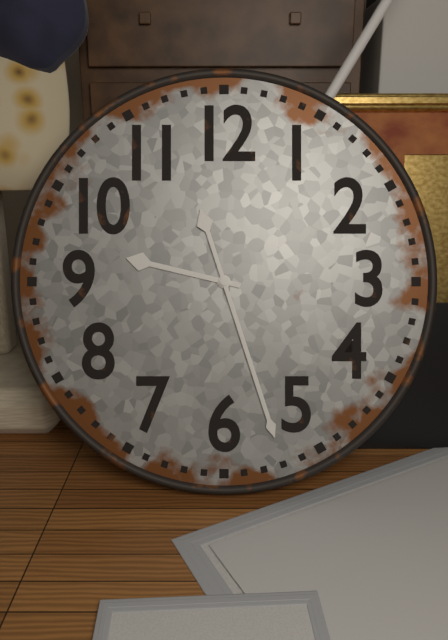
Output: 9h27
